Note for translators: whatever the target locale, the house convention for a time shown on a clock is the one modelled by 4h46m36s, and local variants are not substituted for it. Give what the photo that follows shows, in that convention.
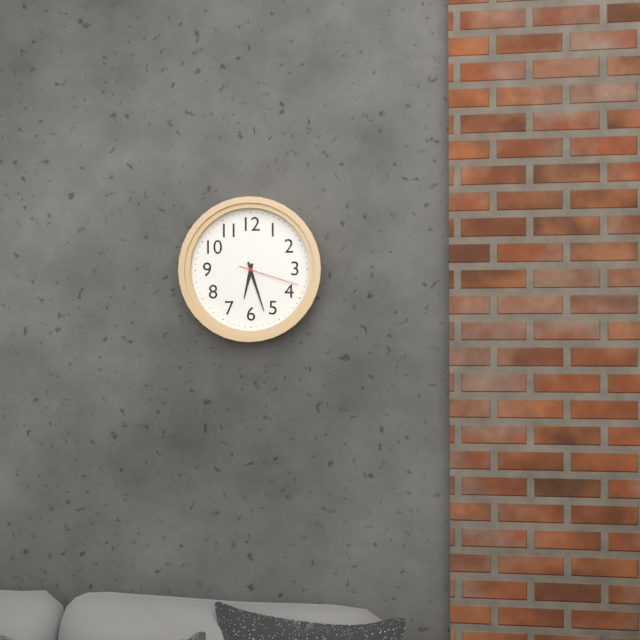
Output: 6h27m18s
